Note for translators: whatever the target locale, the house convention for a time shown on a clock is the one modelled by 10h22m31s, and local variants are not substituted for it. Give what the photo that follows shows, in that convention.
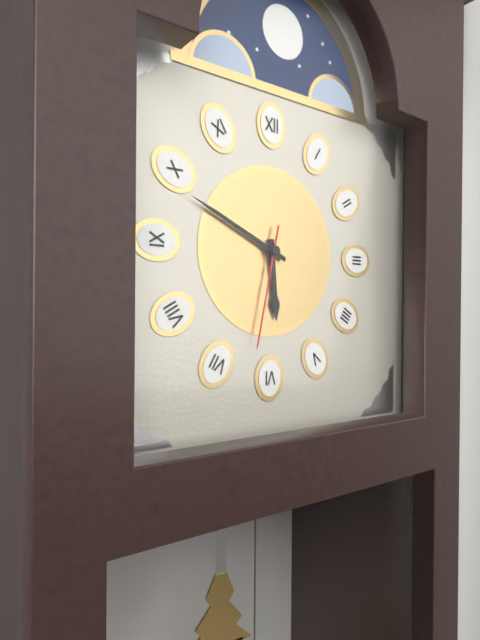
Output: 5h49m32s
